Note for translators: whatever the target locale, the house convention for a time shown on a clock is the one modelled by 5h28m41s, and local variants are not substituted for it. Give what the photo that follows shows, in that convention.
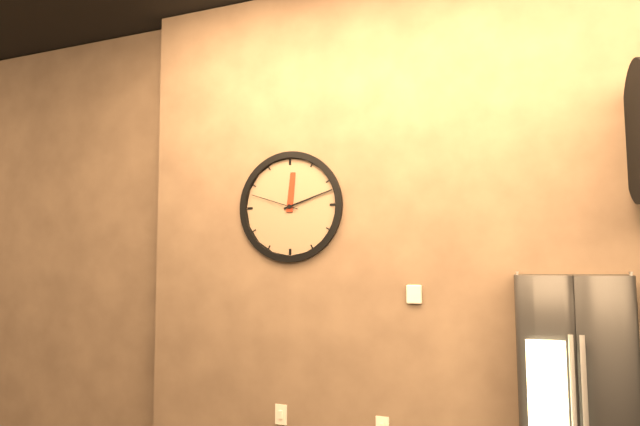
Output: 12h12m48s
